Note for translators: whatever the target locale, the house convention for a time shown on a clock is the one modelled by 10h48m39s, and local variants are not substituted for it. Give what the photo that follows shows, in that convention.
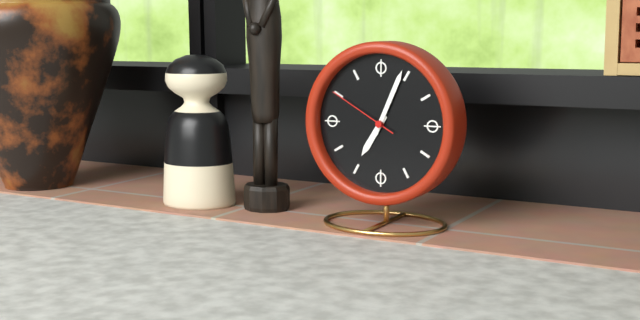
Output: 7h04m50s
